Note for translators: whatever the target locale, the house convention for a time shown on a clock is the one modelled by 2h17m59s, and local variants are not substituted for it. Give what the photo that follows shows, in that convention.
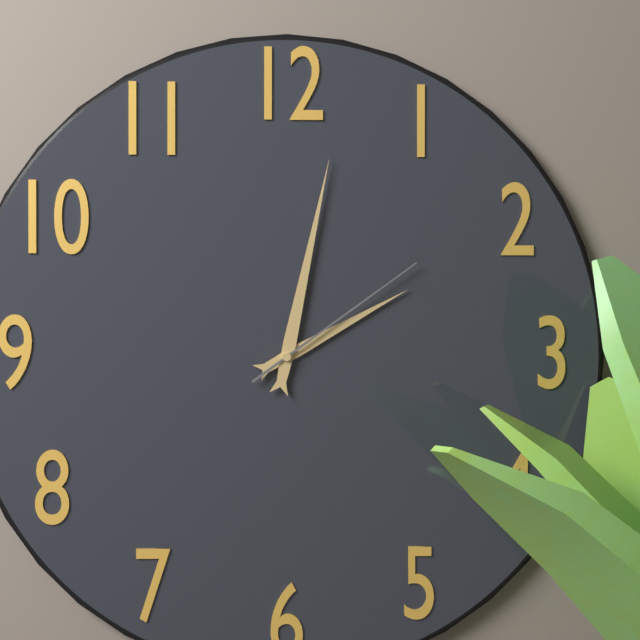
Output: 2h02m09s
